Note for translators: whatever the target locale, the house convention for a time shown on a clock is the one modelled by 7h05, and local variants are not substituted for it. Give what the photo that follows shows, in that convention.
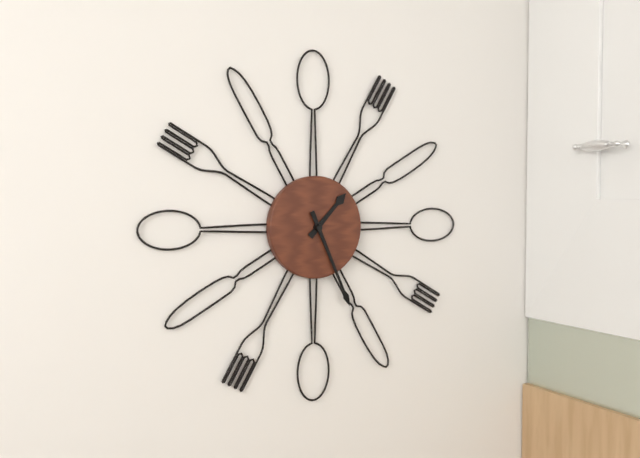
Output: 1h26
